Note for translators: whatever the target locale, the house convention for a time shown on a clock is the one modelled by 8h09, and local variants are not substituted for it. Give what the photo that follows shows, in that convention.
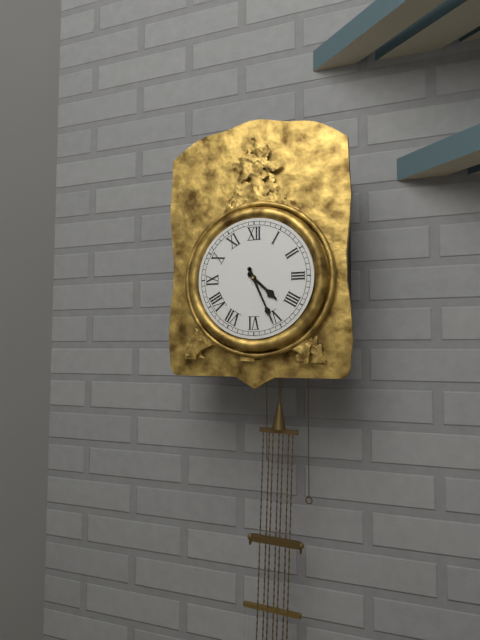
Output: 4h26
